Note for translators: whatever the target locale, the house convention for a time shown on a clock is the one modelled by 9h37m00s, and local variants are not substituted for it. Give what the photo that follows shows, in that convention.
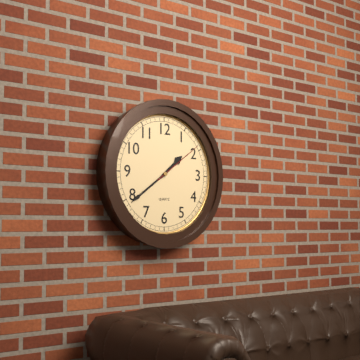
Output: 1h39m09s
